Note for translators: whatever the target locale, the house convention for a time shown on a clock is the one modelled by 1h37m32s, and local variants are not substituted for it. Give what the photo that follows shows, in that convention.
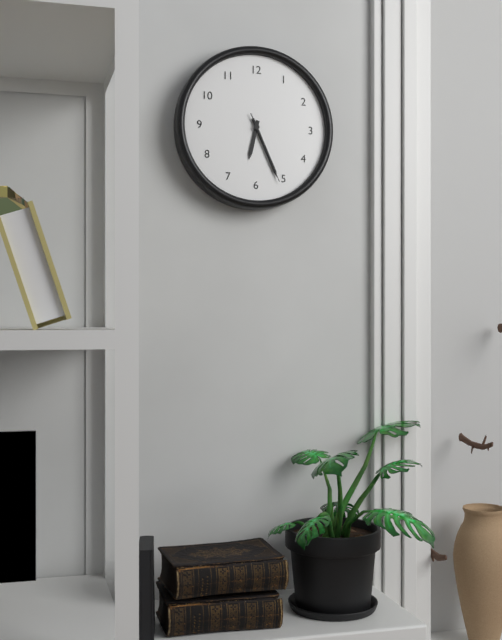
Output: 6h26m26s
